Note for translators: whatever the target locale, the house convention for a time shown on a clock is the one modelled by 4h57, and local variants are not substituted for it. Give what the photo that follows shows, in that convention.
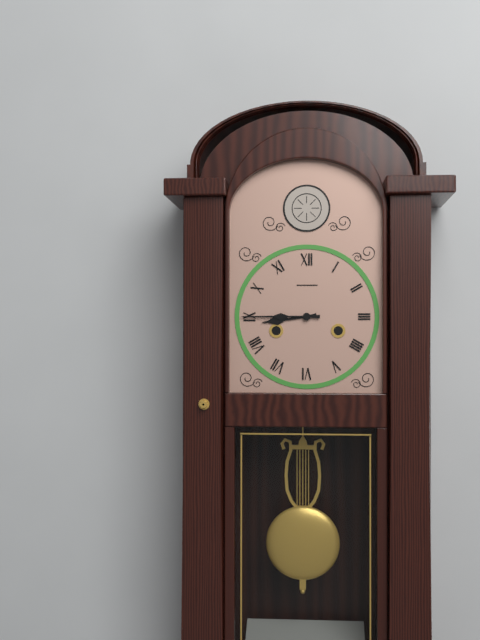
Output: 8h45
